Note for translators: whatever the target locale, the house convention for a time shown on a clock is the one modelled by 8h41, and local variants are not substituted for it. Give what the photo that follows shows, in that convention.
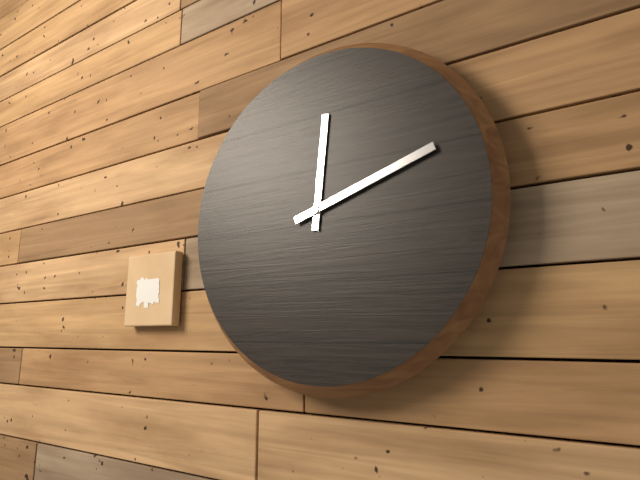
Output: 12h12
